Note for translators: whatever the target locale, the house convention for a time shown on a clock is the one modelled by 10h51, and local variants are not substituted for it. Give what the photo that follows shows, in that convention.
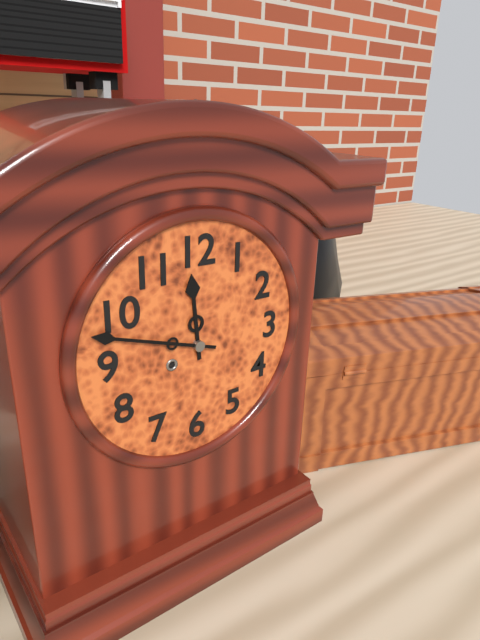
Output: 11h48
